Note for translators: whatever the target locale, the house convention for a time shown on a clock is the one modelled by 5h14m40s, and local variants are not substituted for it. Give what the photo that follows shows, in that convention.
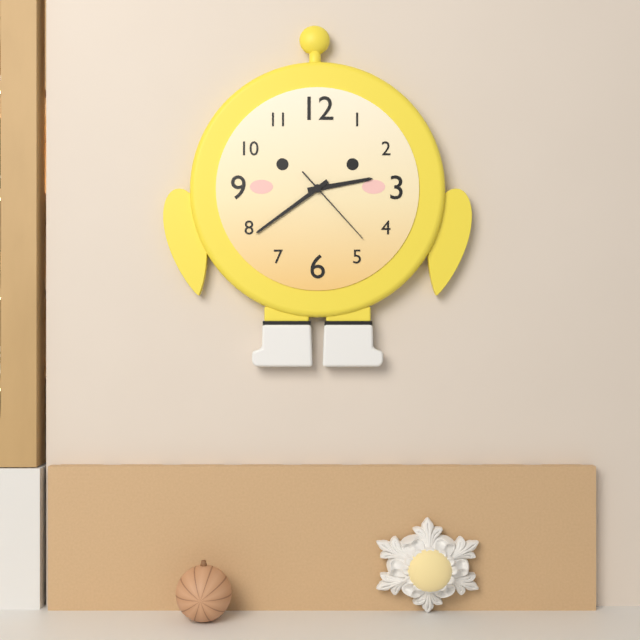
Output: 2h39m23s
